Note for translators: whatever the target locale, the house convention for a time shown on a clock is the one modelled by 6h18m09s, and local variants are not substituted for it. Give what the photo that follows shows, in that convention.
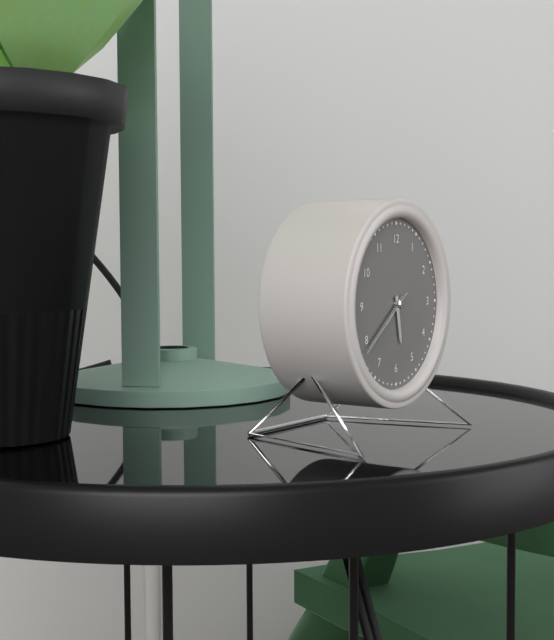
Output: 5h39m39s
